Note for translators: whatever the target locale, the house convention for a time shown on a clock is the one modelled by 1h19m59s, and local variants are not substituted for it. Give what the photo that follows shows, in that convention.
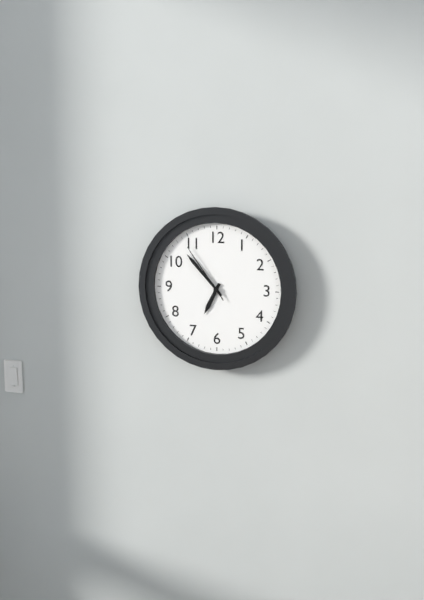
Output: 6h53m54s
